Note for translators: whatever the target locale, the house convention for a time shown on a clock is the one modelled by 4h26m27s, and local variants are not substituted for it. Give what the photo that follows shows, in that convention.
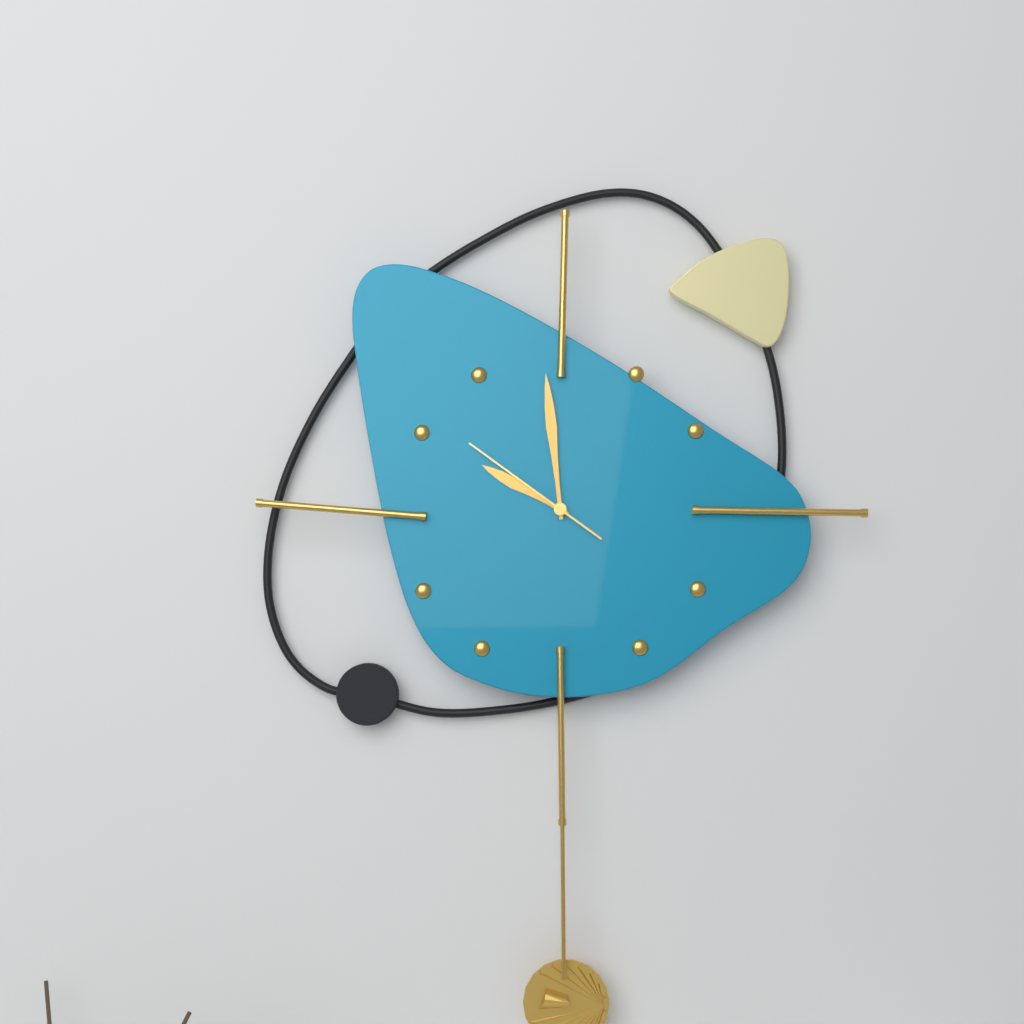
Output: 9h59m51s
